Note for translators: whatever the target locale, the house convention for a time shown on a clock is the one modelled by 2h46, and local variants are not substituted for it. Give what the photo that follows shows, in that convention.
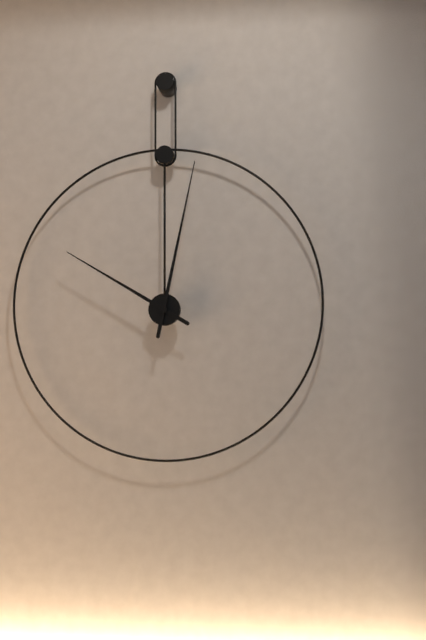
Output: 10h02
